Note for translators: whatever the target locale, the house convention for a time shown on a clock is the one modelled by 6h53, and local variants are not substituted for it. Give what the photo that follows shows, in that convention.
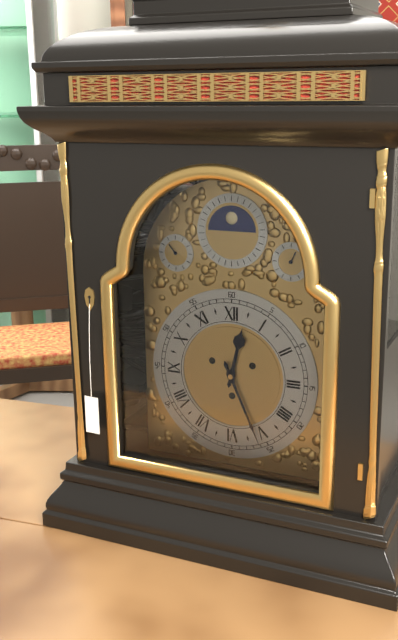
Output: 12h26
